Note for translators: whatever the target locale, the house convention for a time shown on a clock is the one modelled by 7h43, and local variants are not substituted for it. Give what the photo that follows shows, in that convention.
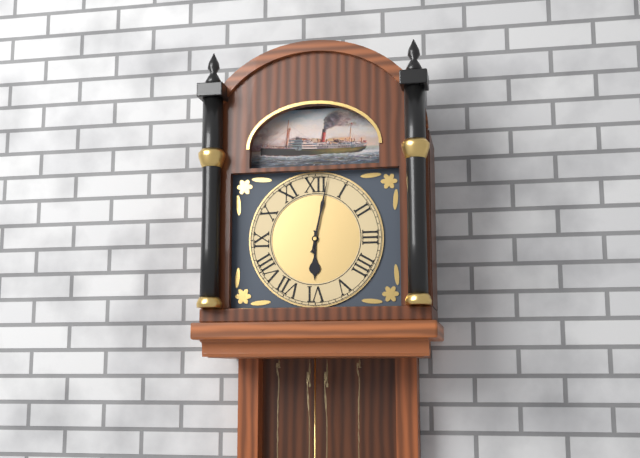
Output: 6h02
